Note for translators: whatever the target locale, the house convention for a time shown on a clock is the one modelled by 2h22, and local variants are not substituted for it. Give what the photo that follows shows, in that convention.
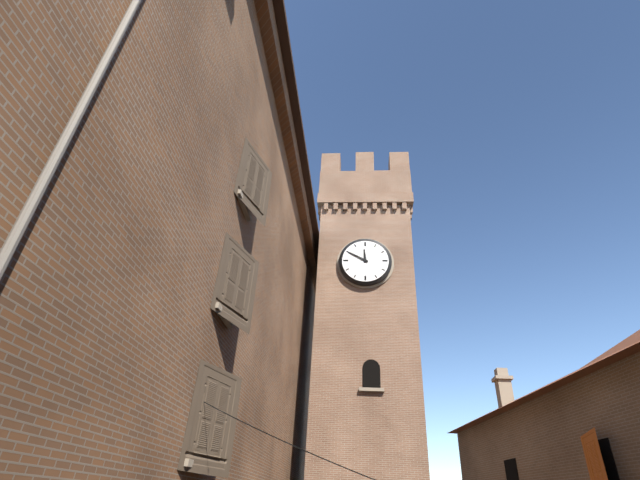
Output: 11h50
